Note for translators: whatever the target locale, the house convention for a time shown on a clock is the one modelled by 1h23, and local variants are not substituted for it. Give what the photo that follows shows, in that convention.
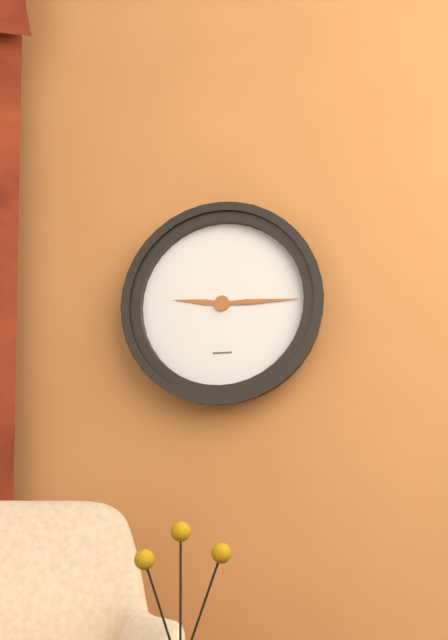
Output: 9h15
